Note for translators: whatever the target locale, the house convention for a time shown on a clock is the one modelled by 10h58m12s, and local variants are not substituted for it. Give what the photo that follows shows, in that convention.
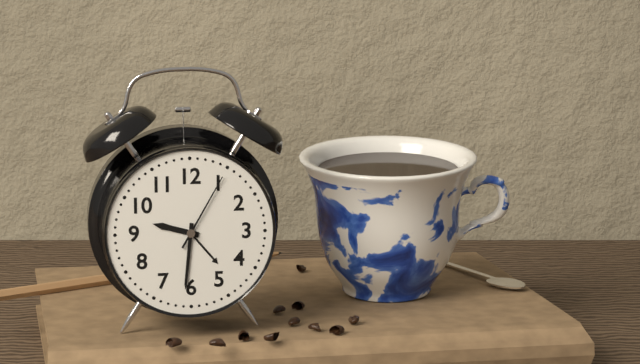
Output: 9h31m05s
